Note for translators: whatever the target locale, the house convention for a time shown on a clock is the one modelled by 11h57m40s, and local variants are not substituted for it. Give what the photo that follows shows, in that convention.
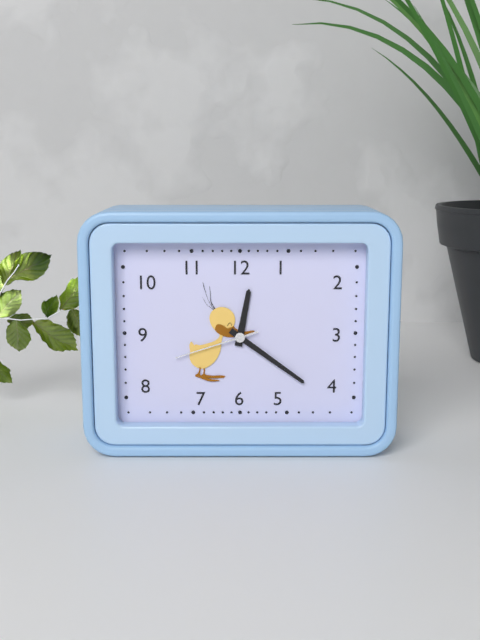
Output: 12h21m42s
